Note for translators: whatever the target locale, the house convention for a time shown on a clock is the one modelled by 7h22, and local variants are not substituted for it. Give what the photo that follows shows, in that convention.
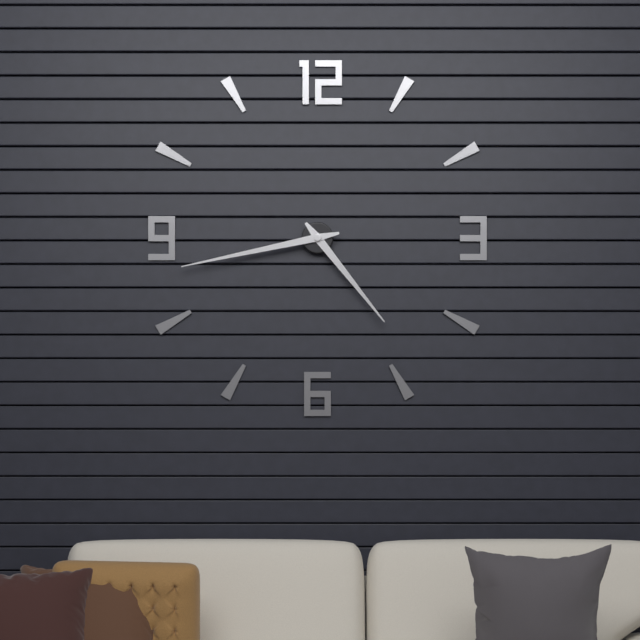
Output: 4h43
